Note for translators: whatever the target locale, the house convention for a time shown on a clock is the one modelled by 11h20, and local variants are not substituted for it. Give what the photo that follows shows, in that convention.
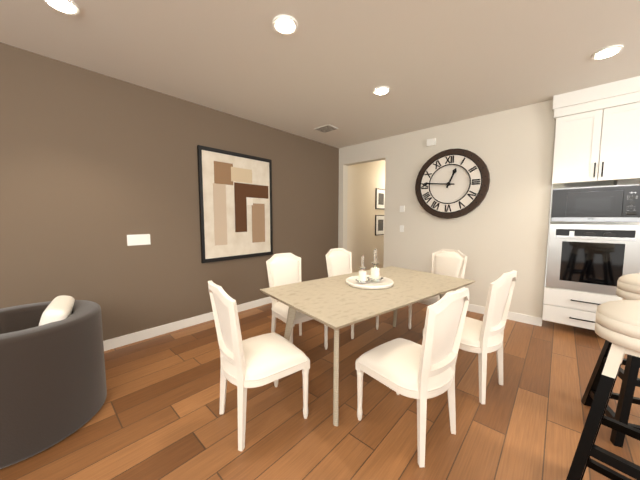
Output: 12h46
